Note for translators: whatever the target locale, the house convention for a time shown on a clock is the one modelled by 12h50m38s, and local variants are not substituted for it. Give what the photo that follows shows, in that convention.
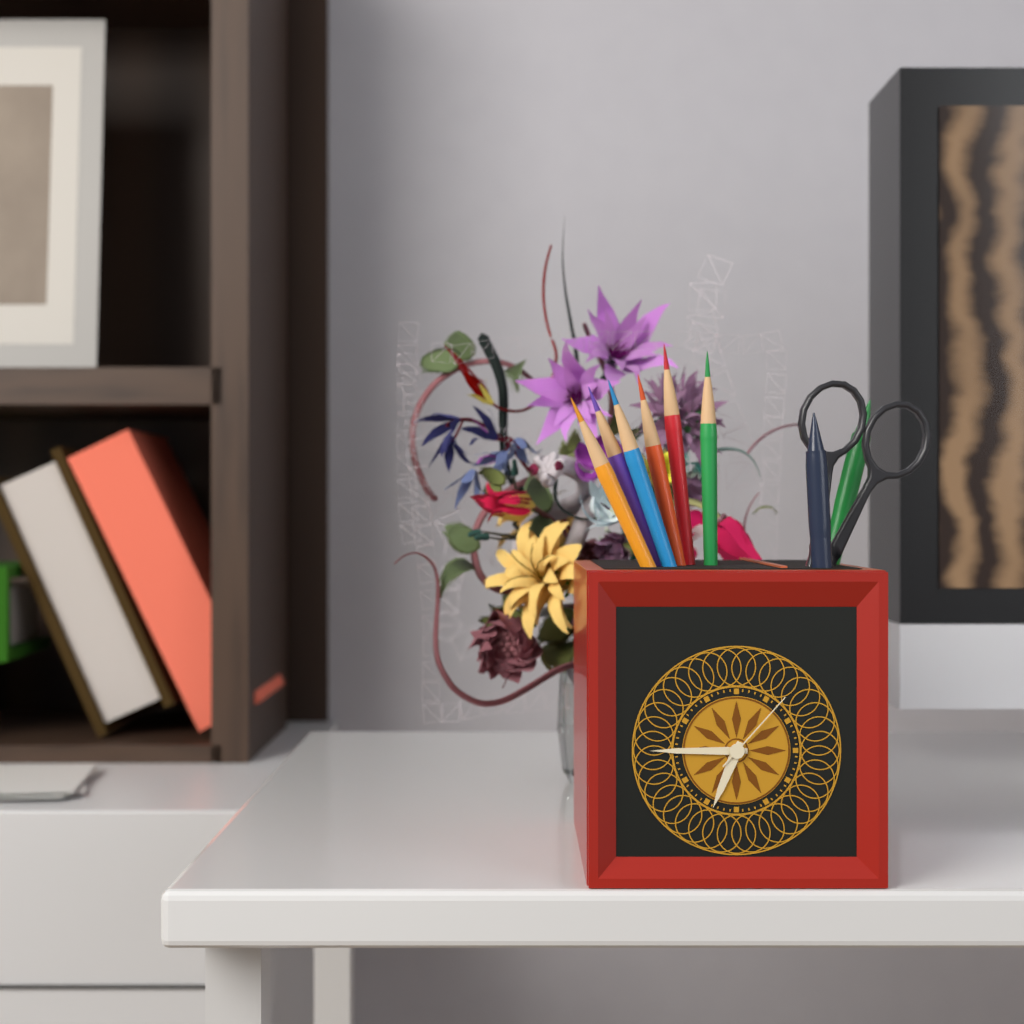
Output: 6h45m07s
